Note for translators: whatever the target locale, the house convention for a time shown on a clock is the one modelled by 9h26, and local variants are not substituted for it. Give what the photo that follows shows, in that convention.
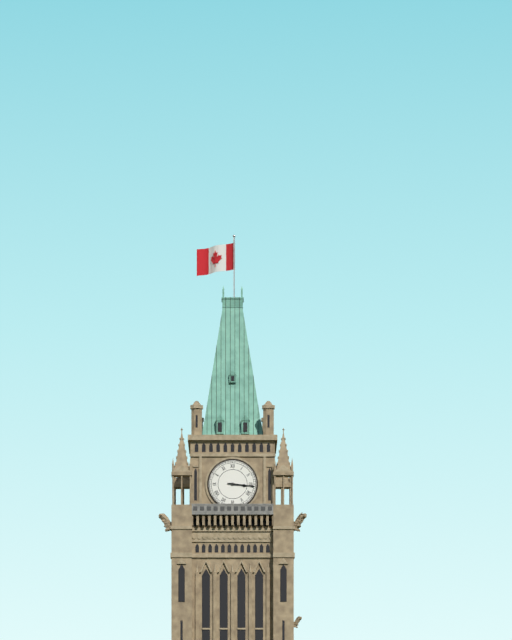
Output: 3h16
